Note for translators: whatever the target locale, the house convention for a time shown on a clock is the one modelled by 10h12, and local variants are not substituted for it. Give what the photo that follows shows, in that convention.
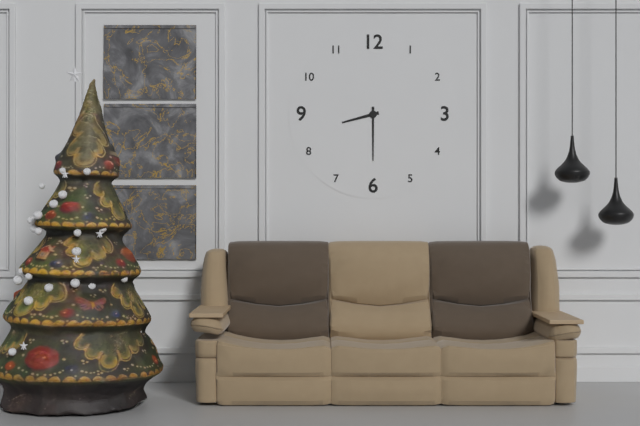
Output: 8h30
